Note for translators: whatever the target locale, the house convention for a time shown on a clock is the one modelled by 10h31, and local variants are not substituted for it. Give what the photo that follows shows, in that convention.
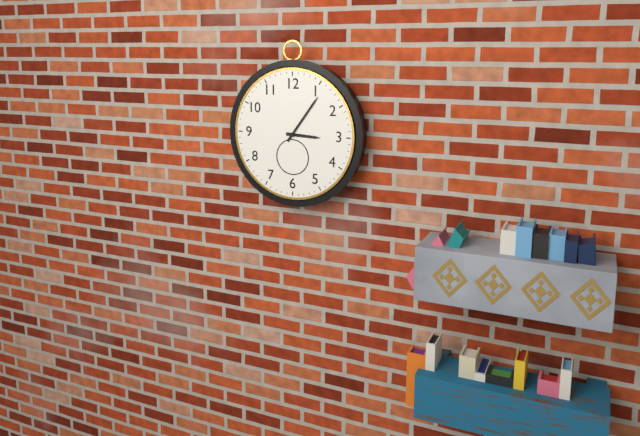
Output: 3h06
